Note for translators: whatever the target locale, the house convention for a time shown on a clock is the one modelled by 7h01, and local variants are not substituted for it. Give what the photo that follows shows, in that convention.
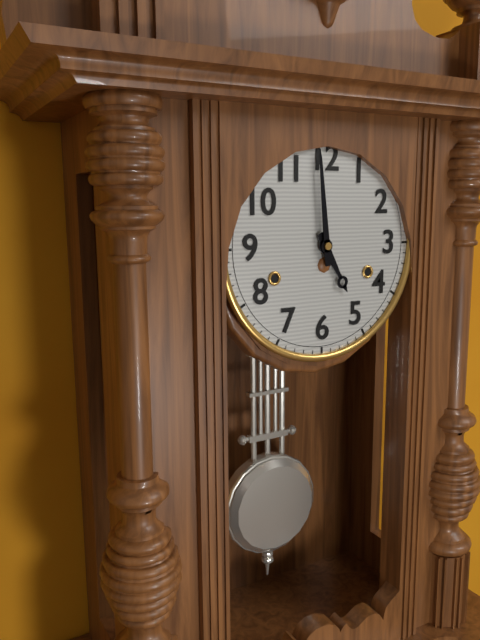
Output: 4h59
